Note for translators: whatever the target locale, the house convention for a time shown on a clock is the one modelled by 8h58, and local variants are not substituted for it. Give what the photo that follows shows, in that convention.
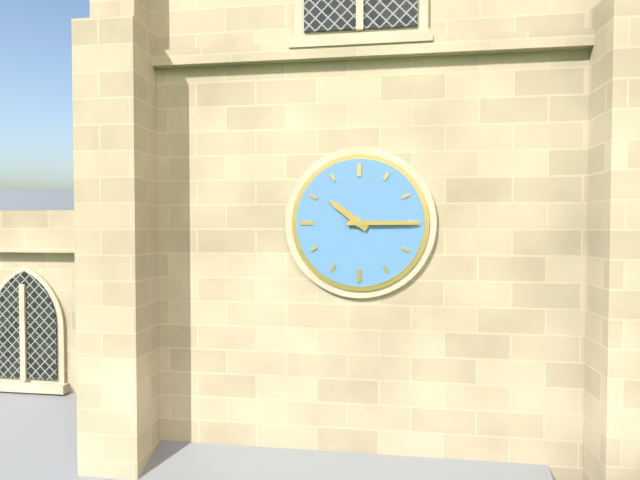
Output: 10h15
